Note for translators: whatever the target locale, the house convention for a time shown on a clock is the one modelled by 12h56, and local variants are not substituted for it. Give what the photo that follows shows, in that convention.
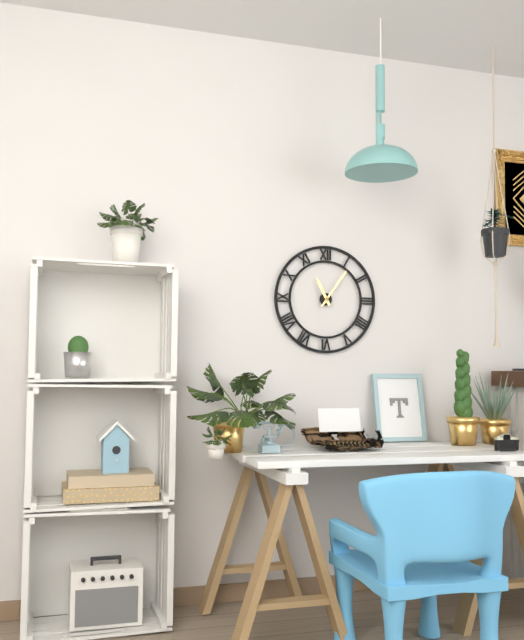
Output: 11h06
